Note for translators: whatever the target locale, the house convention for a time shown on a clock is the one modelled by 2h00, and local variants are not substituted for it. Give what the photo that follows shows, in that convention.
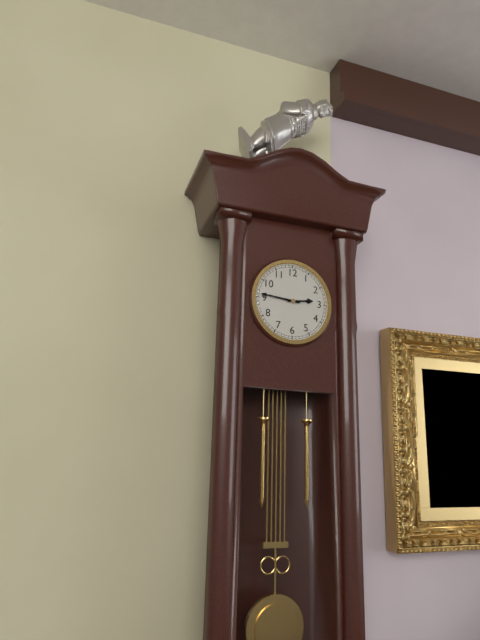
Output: 2h46
